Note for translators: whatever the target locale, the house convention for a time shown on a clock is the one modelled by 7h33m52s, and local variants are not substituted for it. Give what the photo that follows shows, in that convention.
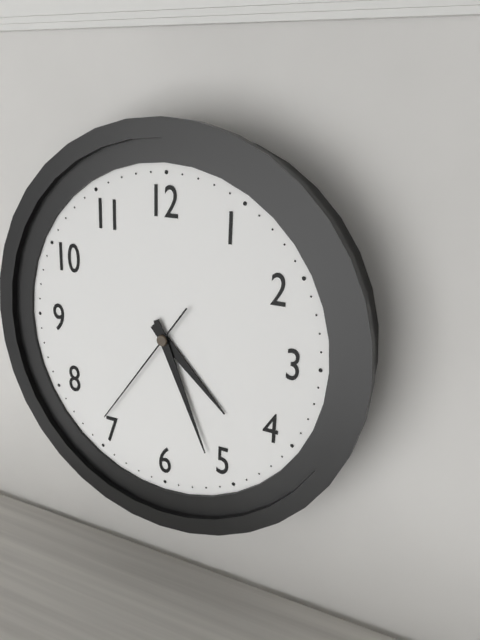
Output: 4h26m36s
